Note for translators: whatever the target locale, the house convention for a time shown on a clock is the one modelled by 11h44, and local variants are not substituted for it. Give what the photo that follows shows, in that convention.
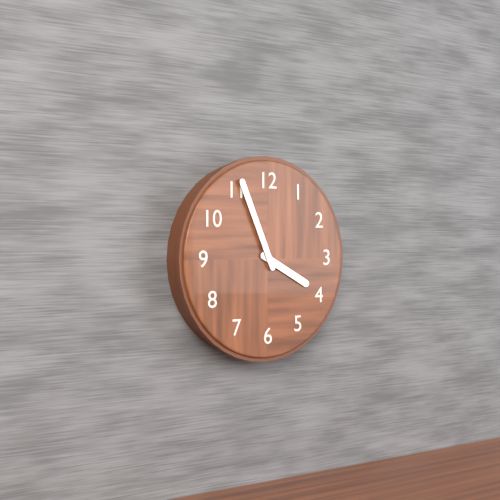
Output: 3h56
